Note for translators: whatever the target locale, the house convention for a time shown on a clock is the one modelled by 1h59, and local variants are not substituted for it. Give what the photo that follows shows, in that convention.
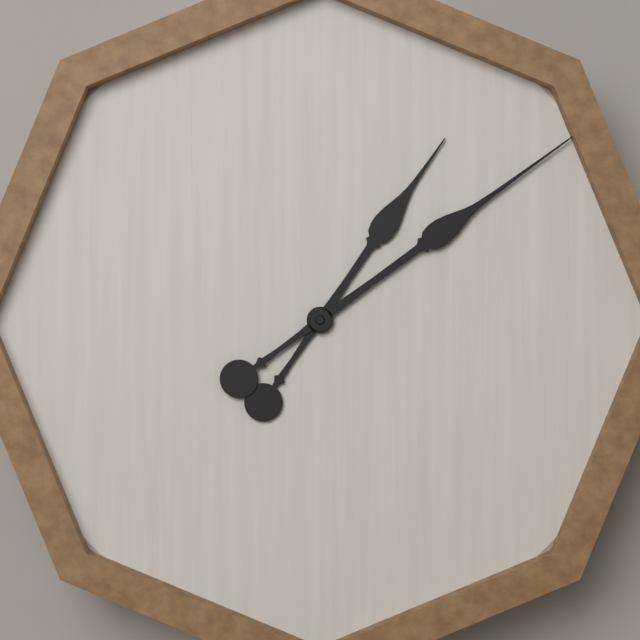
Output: 1h09
